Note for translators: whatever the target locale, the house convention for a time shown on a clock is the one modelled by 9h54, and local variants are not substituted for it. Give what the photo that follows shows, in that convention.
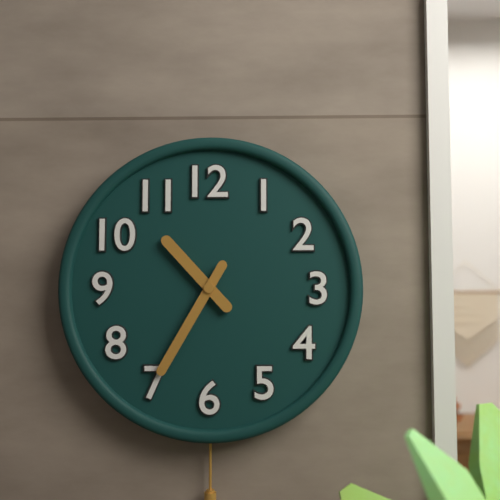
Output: 10h35
